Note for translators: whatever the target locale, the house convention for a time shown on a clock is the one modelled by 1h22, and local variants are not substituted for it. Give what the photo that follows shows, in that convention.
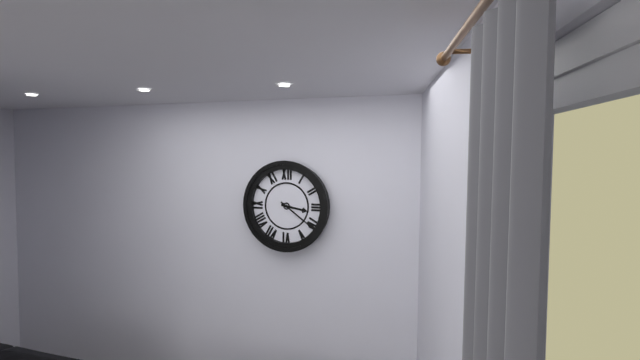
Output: 3h21
